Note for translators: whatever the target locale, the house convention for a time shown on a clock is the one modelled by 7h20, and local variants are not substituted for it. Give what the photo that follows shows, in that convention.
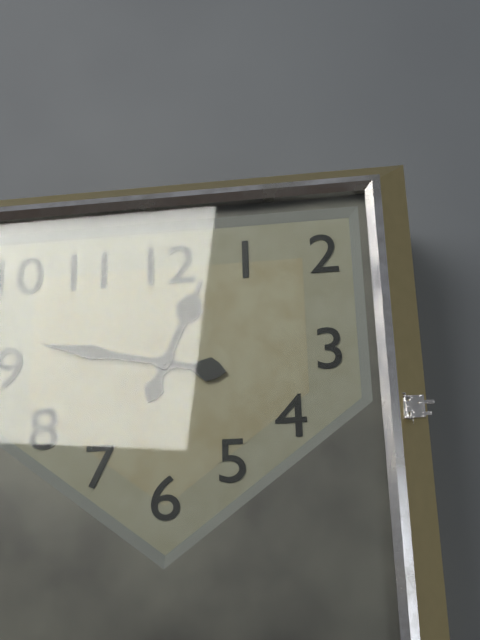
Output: 12h47
